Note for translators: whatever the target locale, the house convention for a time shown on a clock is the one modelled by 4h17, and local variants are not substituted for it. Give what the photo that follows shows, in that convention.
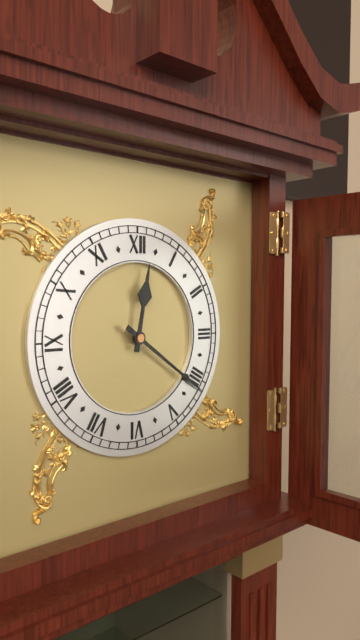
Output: 12h21
